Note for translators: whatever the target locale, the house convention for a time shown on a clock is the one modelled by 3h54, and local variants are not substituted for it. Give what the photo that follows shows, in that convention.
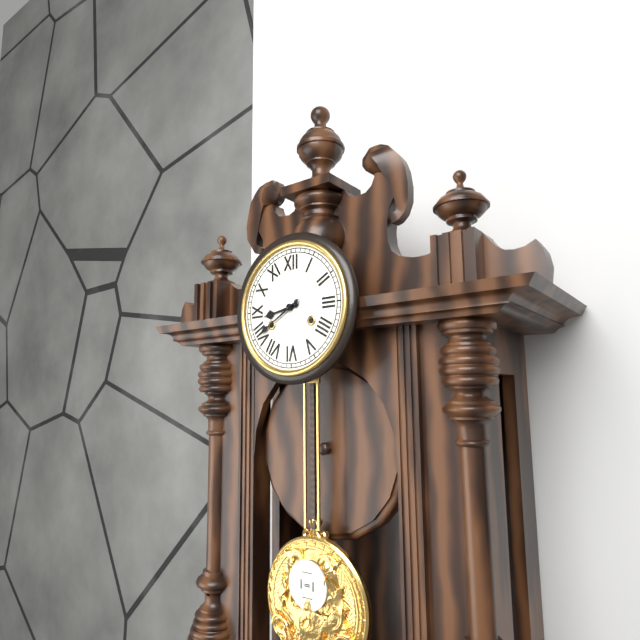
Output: 8h40
